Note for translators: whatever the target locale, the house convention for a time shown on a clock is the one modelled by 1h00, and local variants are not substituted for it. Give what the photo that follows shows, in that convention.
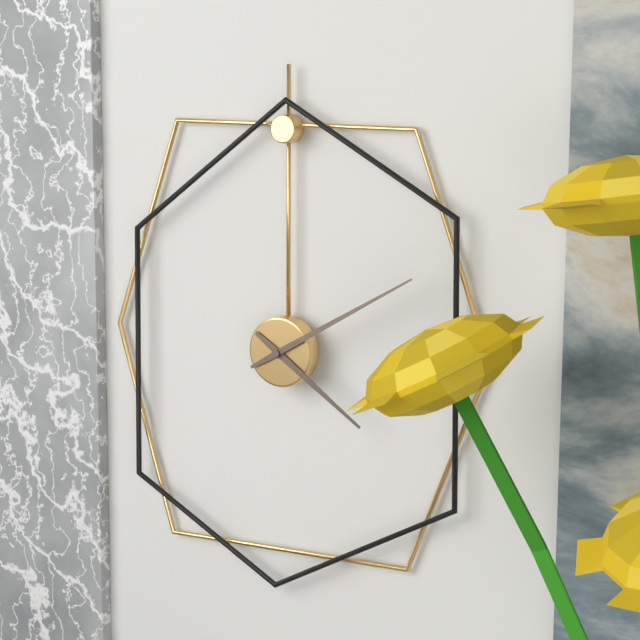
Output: 4h10
